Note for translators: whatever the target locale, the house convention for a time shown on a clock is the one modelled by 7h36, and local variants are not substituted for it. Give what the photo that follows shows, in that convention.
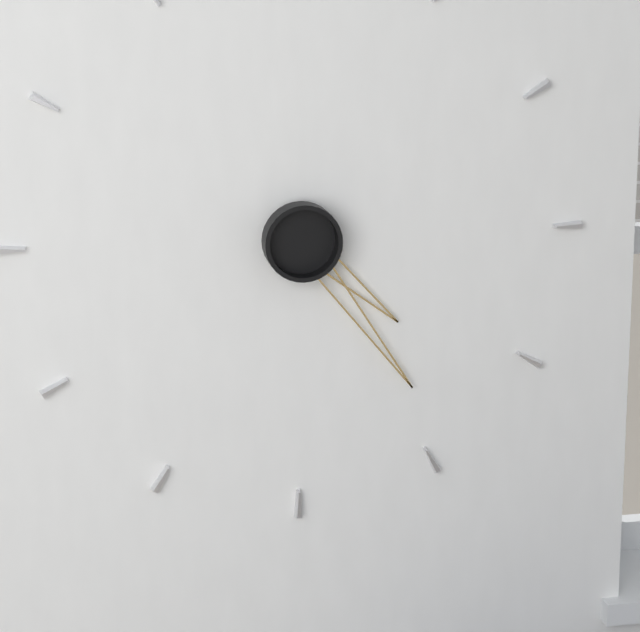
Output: 4h24
